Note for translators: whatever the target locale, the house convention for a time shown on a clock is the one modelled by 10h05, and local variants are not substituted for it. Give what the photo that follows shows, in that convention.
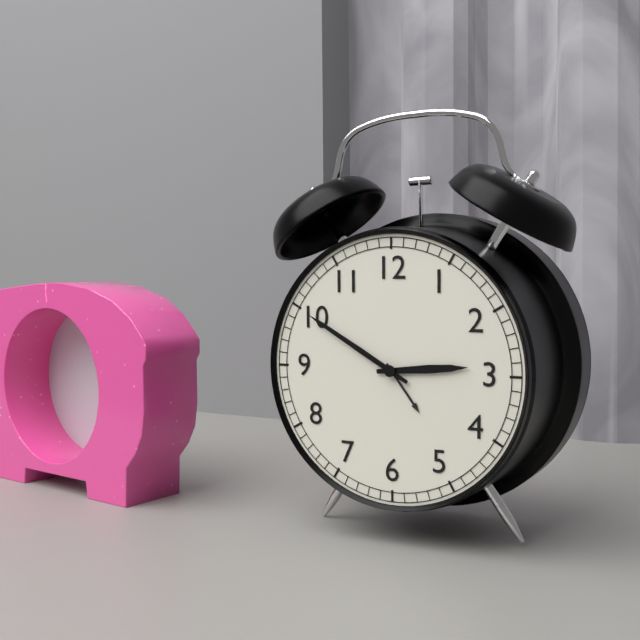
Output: 2h50
